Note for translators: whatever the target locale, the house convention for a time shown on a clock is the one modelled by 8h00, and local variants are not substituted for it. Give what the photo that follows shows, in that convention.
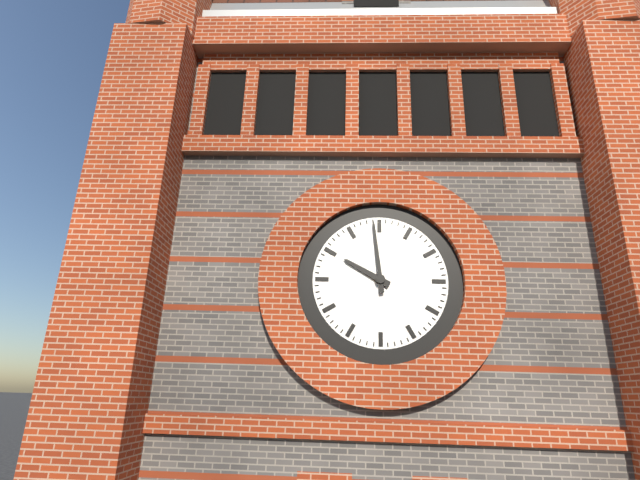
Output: 9h59
